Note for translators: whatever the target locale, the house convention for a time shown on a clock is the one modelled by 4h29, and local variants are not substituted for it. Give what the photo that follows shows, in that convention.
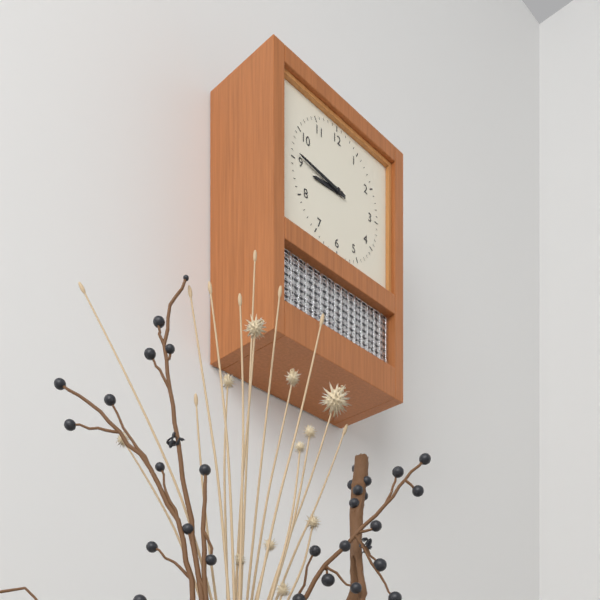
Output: 8h46
